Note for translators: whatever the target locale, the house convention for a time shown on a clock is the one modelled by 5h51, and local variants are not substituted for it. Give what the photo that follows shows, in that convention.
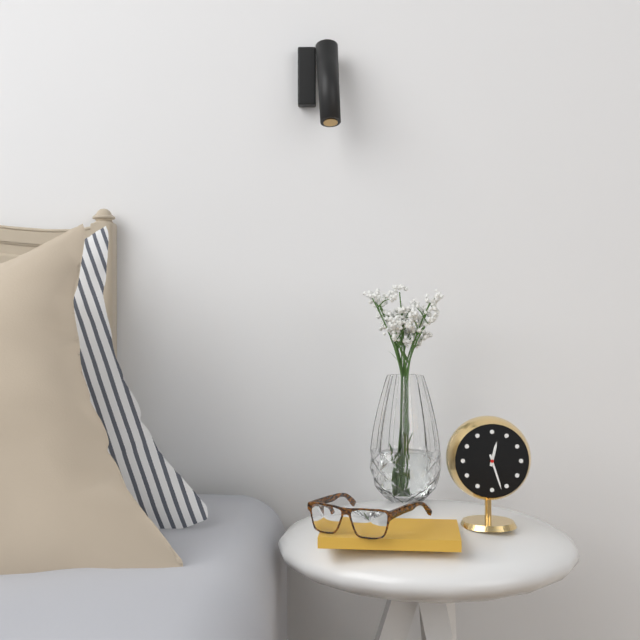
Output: 12h27
